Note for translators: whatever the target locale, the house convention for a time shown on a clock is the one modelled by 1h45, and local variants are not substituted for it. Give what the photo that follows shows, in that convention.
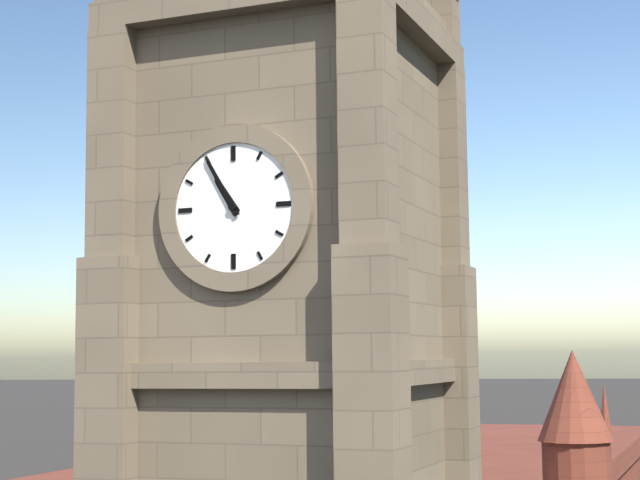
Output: 10h55
